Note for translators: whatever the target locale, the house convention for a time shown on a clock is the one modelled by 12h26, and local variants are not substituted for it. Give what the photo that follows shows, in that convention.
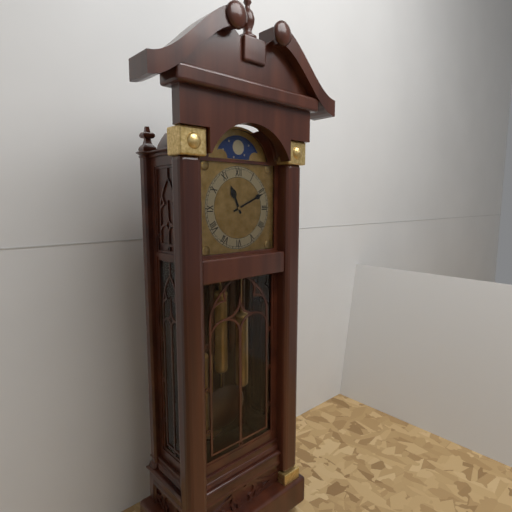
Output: 11h11
